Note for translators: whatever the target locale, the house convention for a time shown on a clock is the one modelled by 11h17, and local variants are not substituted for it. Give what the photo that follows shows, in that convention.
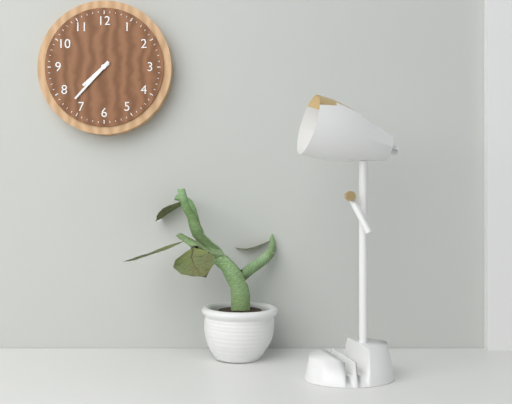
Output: 7h37
